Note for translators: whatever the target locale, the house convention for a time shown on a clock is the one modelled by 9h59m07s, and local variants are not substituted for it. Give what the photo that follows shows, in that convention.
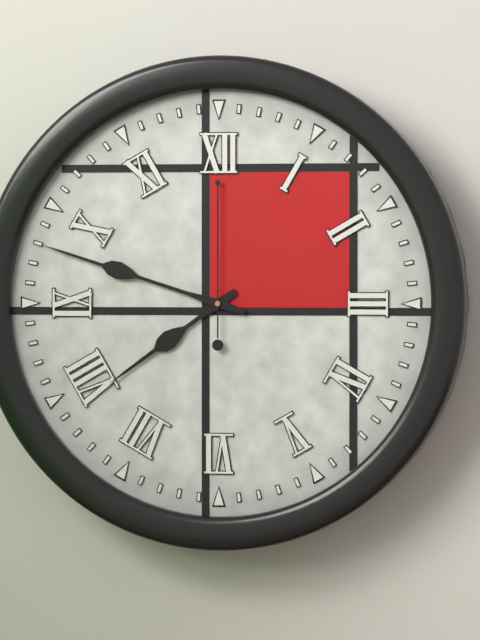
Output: 7h48m00s
